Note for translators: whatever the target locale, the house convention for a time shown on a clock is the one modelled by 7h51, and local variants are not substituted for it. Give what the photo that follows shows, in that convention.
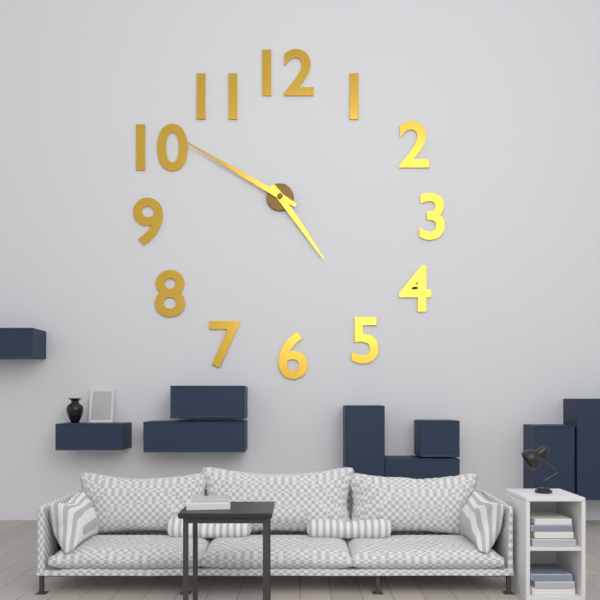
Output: 4h50
